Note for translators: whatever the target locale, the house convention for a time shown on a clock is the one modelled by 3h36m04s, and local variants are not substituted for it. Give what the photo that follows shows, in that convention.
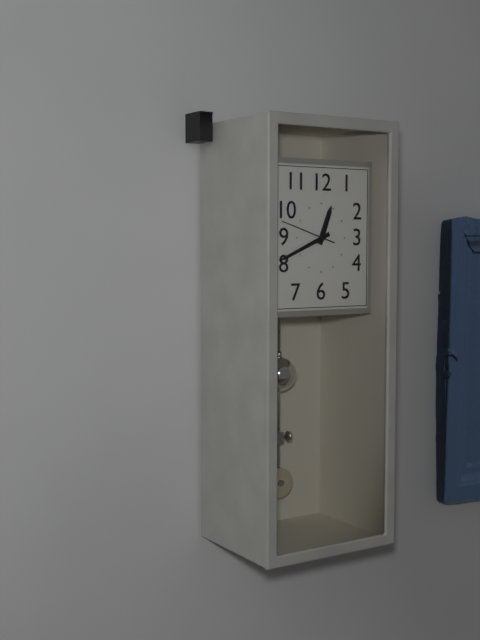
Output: 12h41m48s
